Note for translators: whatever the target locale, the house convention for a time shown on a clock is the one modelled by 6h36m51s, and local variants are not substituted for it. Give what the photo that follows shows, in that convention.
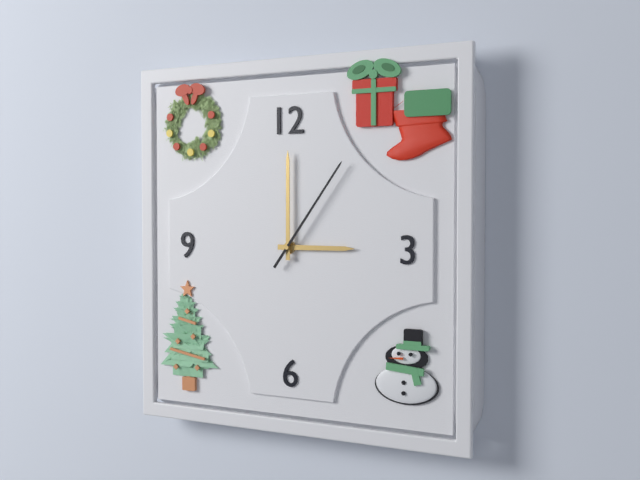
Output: 3h00m06s
